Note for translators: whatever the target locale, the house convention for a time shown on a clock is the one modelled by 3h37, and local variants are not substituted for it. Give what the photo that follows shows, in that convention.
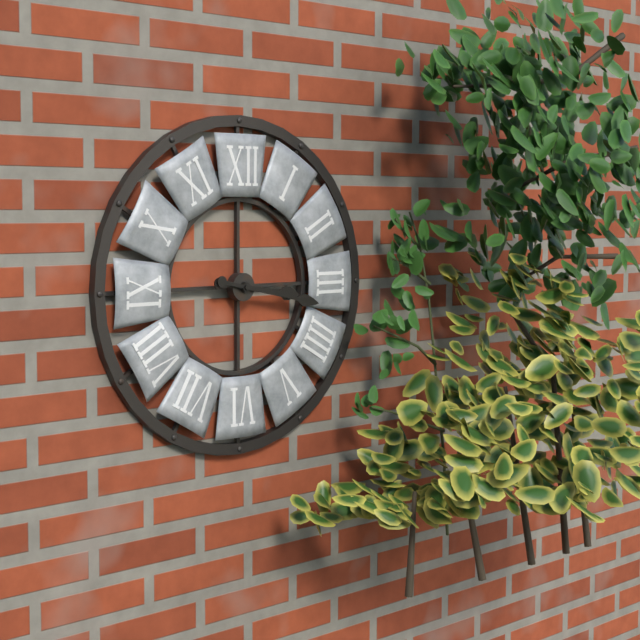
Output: 3h17
